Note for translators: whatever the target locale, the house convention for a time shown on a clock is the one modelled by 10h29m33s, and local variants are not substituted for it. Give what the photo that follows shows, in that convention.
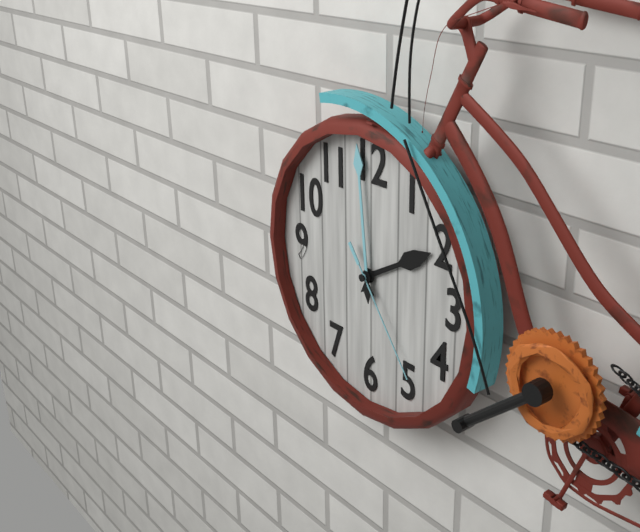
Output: 1h59m24s
